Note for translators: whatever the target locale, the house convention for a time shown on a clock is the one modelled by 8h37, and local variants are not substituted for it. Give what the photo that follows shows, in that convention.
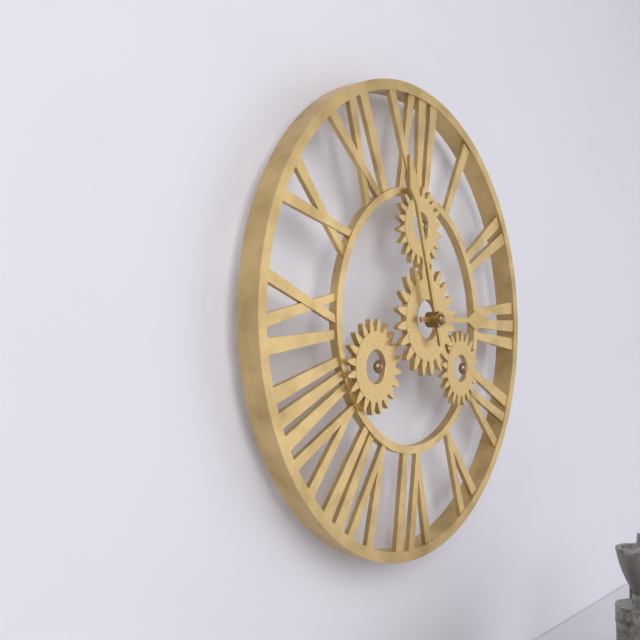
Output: 2h57
